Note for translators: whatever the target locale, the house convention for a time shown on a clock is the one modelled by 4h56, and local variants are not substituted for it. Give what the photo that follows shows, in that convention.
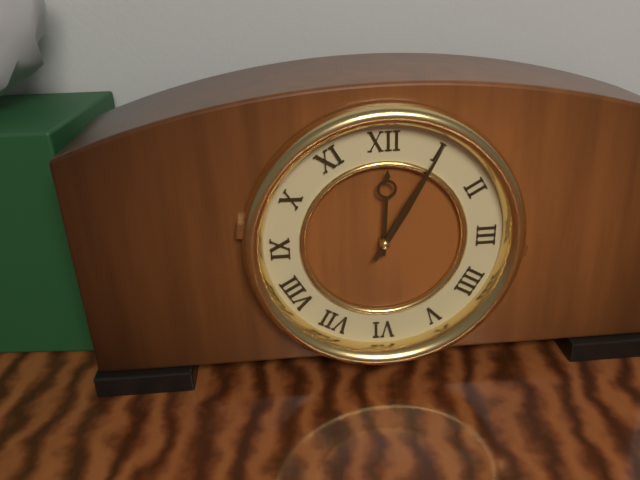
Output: 12h05
